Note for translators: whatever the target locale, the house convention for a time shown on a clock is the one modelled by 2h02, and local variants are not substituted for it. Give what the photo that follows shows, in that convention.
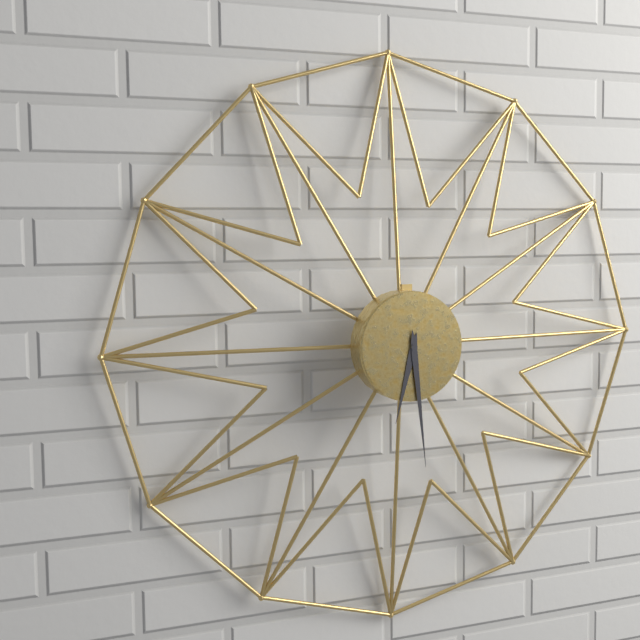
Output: 6h29
